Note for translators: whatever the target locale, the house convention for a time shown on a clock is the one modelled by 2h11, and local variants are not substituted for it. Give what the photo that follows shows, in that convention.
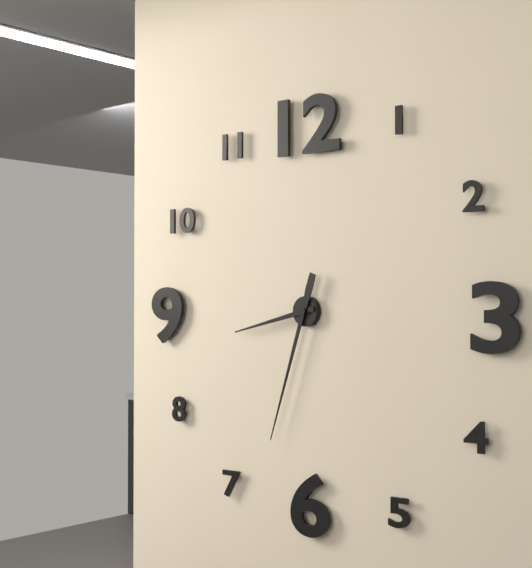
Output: 8h33
